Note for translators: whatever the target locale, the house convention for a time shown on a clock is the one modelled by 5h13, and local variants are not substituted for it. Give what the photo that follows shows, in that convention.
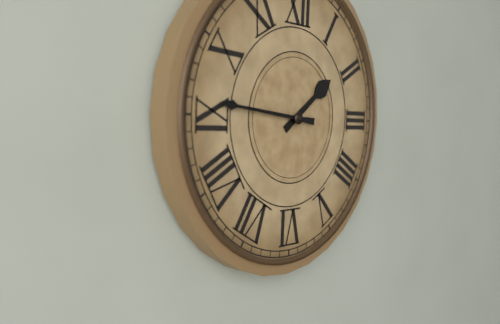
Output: 1h46
